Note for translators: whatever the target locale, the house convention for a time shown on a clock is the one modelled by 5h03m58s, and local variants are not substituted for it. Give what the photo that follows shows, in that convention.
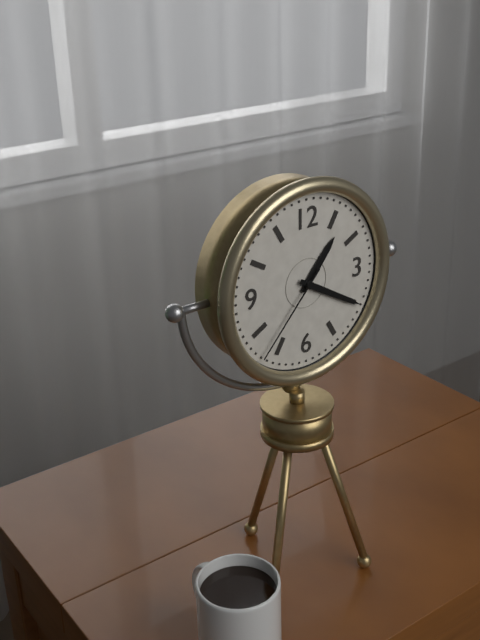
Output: 1h20m37s
